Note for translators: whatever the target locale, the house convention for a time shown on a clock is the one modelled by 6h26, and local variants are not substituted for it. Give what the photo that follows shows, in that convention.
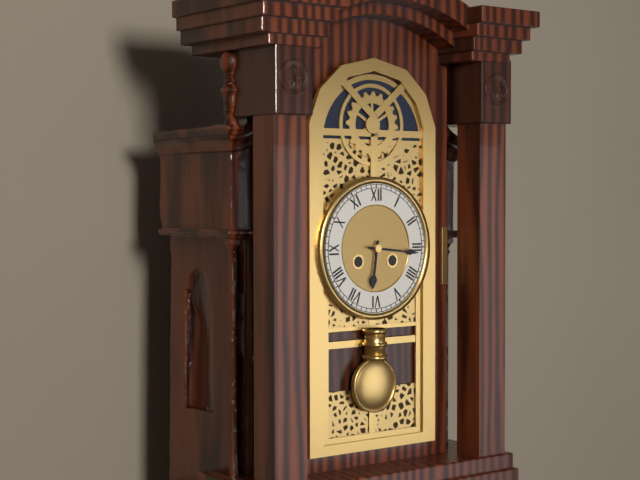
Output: 6h16
